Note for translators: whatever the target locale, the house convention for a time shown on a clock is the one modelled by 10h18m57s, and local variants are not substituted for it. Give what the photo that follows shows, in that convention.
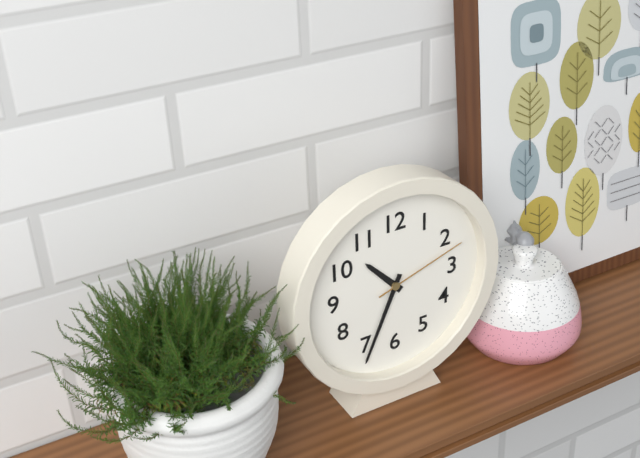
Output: 10h34m12s
